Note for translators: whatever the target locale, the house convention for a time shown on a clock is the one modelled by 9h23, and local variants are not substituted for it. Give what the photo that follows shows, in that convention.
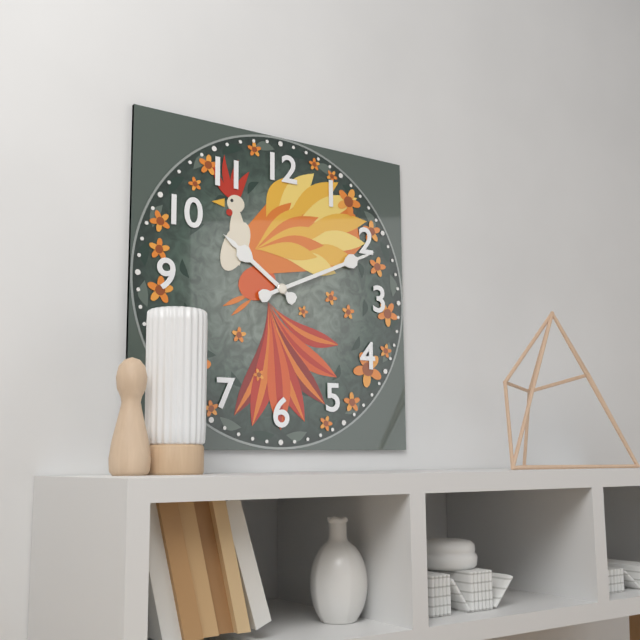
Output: 10h11
